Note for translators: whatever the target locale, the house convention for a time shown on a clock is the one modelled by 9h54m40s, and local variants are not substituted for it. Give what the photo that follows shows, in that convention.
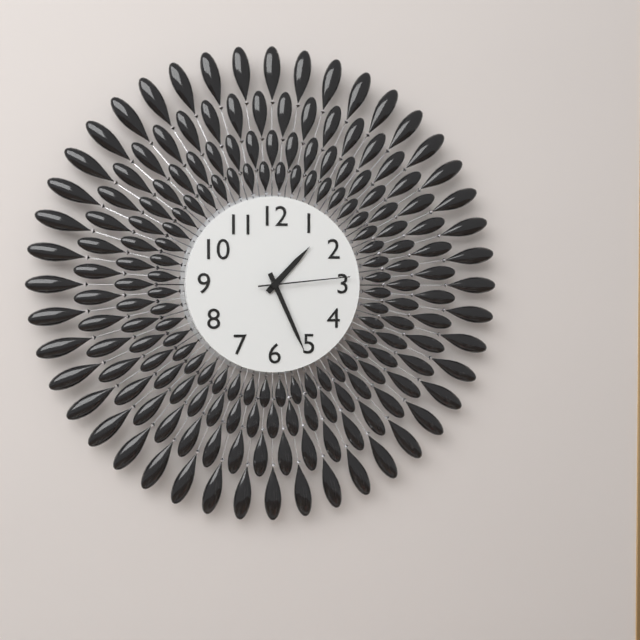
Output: 1h26m14s
